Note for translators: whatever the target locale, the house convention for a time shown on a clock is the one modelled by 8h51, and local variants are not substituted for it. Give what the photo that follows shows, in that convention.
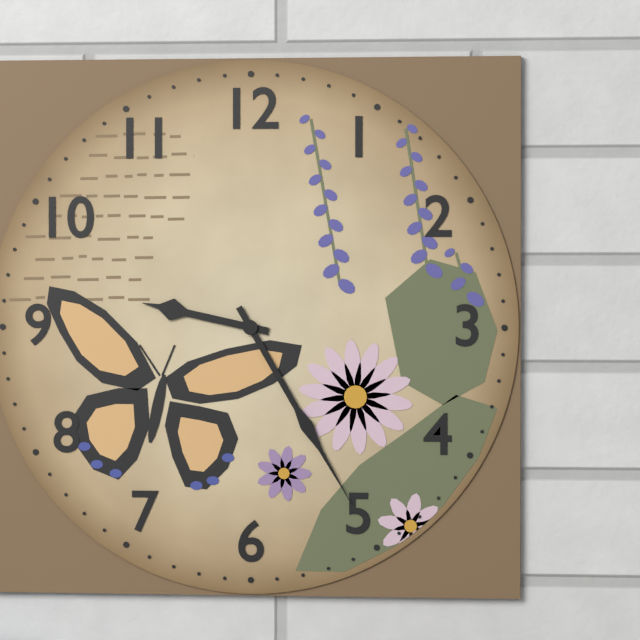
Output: 9h25
